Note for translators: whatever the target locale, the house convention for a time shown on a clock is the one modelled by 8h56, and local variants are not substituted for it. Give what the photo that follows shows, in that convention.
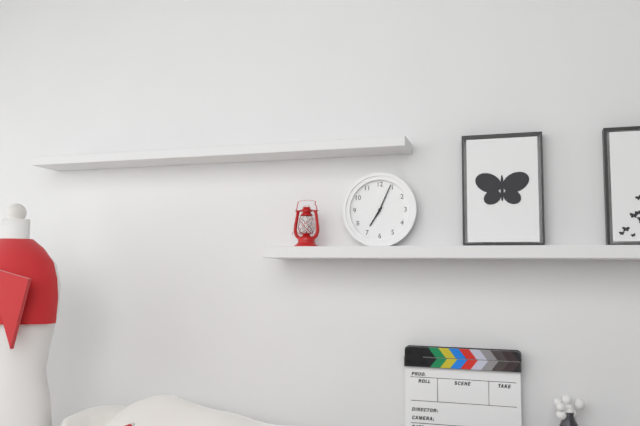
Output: 7h04
